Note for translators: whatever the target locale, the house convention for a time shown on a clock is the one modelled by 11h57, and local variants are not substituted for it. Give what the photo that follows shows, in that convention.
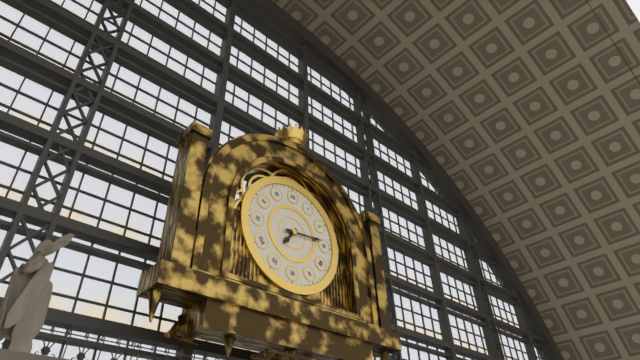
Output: 7h14
